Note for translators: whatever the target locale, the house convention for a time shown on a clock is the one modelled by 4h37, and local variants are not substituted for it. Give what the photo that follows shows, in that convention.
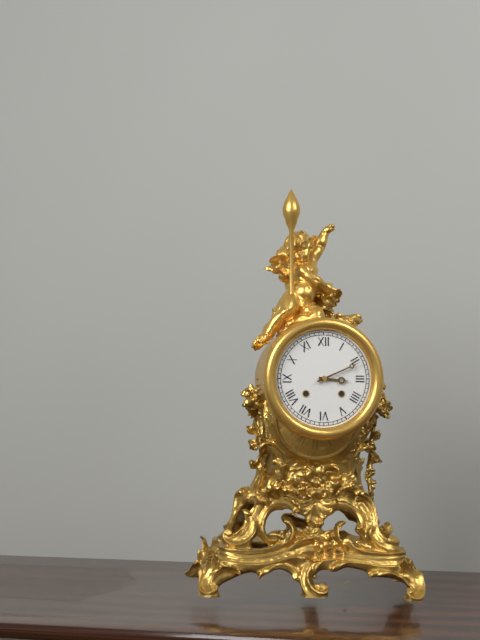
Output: 3h11
